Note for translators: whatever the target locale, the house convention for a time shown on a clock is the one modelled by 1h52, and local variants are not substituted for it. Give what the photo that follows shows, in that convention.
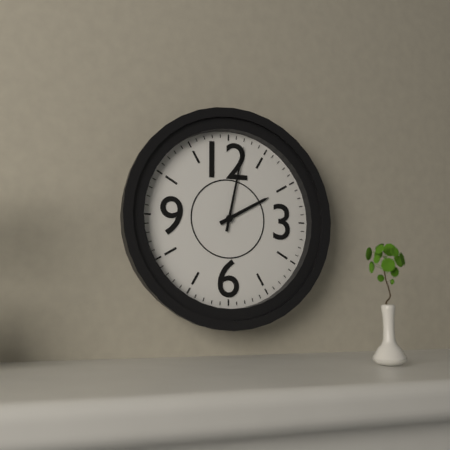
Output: 2h02
